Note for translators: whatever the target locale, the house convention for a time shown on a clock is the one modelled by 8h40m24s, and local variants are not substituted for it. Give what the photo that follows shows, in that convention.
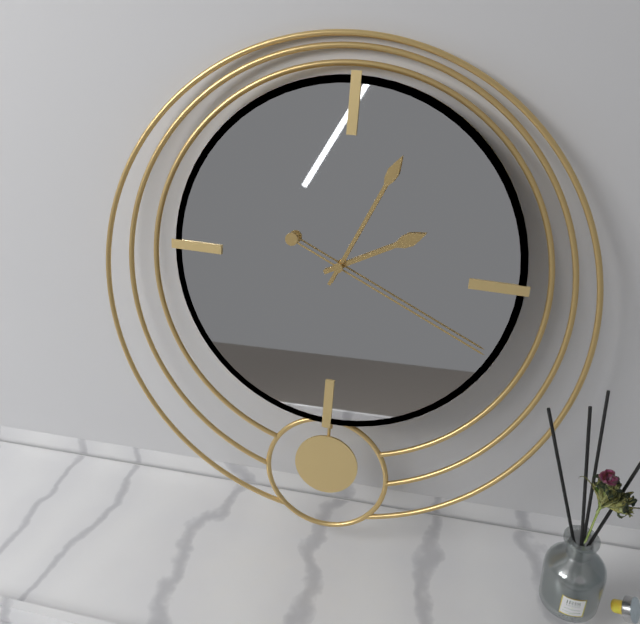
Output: 2h04m19s
